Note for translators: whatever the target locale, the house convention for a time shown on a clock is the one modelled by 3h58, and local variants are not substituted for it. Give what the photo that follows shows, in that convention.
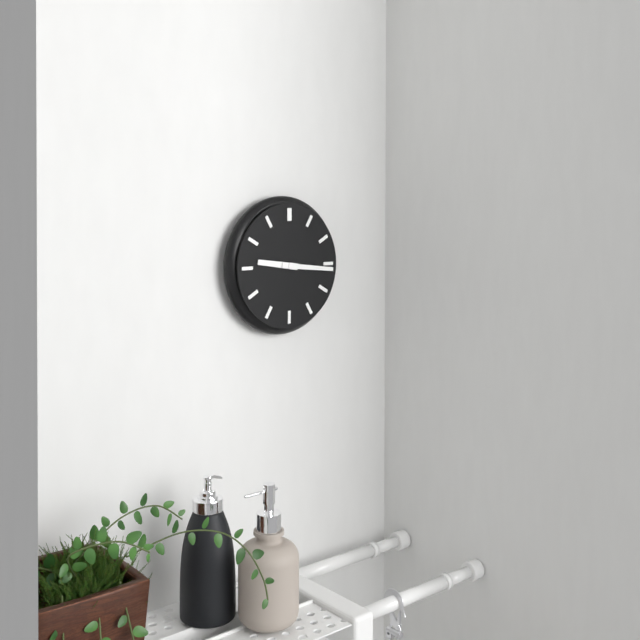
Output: 9h16
